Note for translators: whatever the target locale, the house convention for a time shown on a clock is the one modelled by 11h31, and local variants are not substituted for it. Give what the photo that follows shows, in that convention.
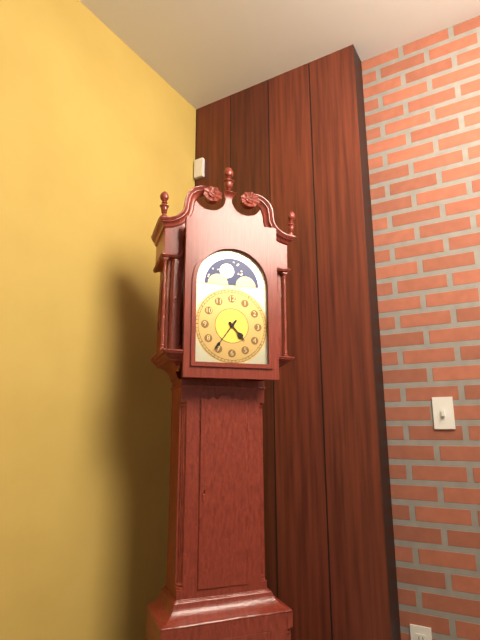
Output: 4h36
